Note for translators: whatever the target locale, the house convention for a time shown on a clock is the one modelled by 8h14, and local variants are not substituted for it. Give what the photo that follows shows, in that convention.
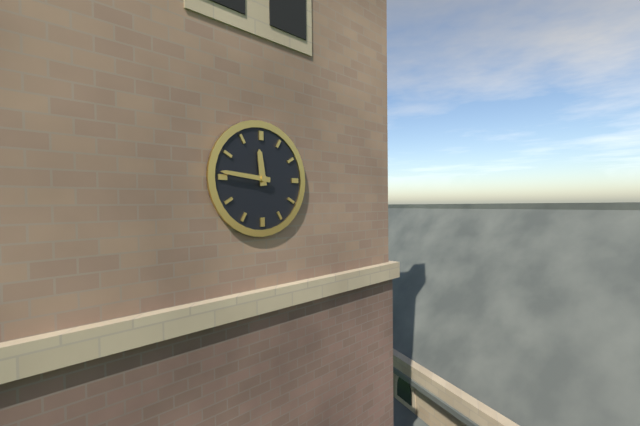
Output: 11h46
